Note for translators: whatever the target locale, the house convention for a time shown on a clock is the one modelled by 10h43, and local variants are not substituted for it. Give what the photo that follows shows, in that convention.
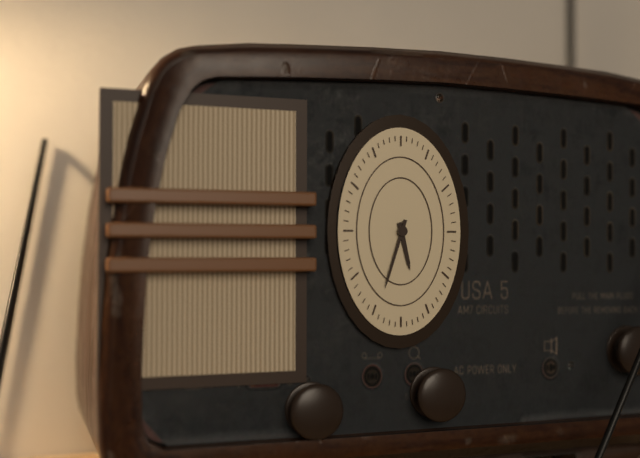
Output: 5h33
